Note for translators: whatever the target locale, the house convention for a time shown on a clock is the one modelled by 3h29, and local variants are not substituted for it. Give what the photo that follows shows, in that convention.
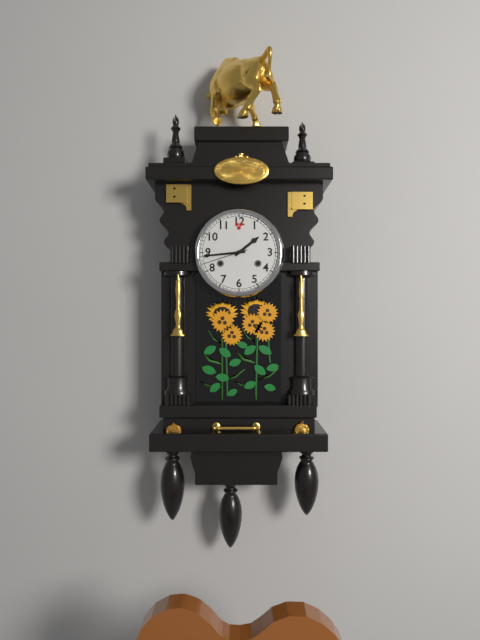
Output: 1h44
